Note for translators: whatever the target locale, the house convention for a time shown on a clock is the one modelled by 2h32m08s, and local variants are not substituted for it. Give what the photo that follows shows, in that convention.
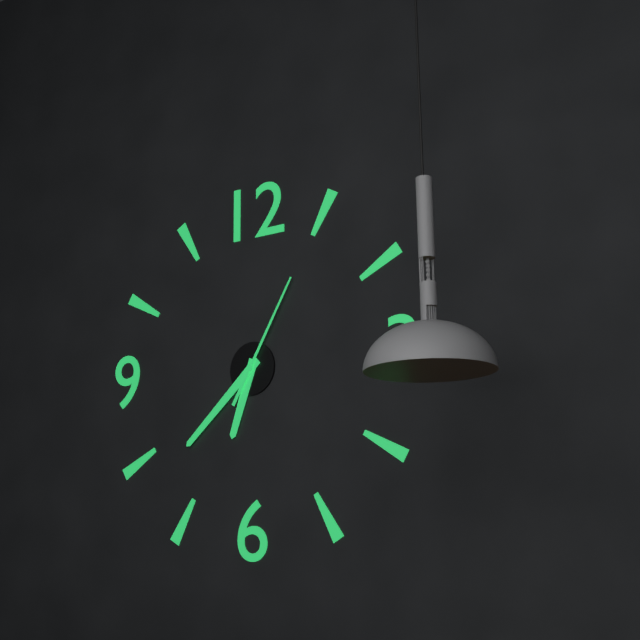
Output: 6h38m05s
